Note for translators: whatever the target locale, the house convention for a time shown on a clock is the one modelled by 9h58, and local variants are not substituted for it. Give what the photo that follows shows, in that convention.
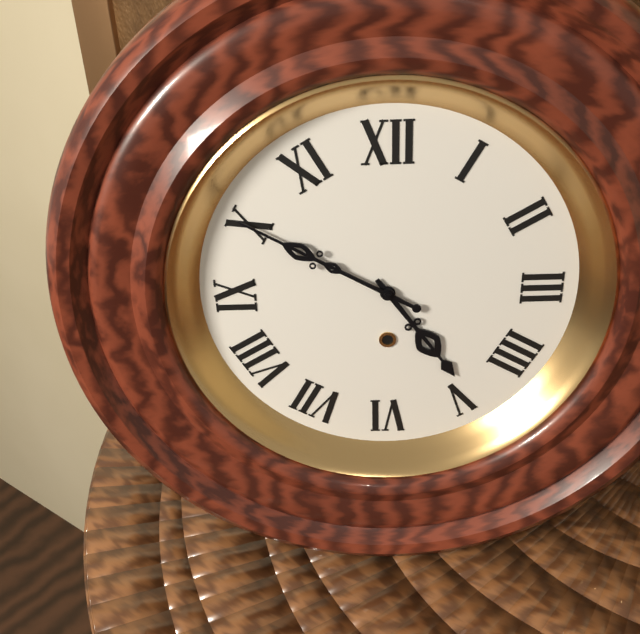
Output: 4h50
